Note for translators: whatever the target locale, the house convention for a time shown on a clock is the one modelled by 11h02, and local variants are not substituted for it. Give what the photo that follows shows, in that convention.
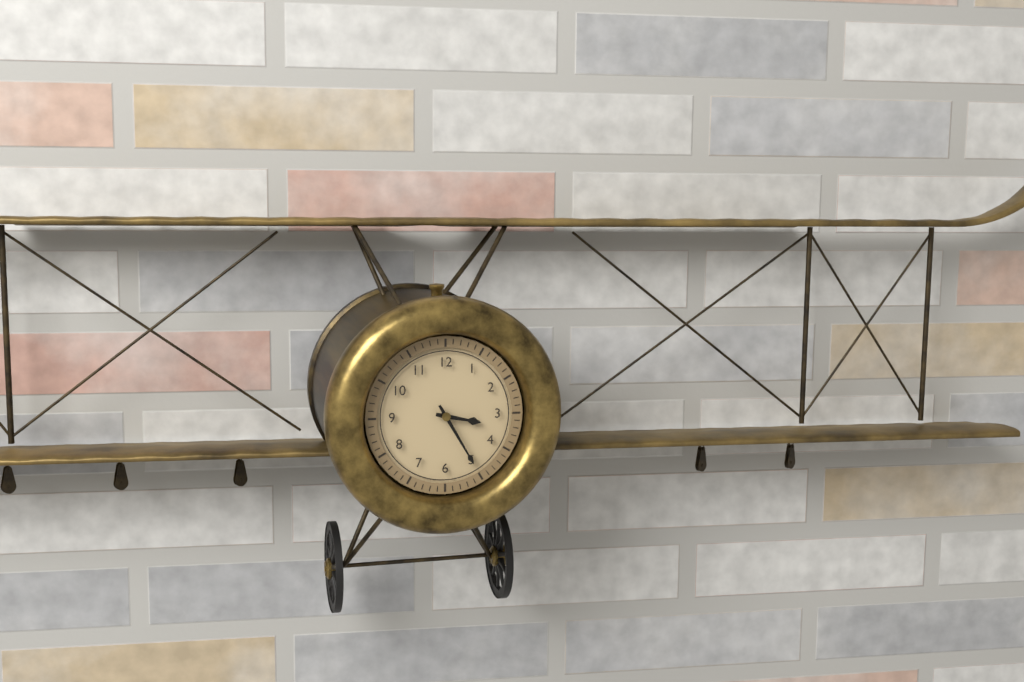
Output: 3h25
